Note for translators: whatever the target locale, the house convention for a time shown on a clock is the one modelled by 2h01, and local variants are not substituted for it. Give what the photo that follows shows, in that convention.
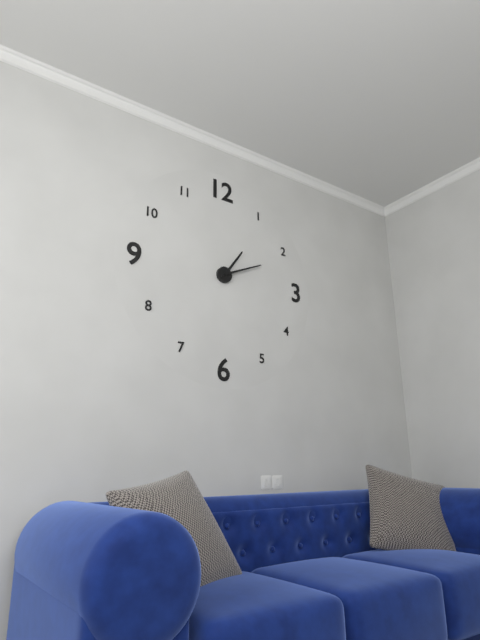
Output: 1h11
